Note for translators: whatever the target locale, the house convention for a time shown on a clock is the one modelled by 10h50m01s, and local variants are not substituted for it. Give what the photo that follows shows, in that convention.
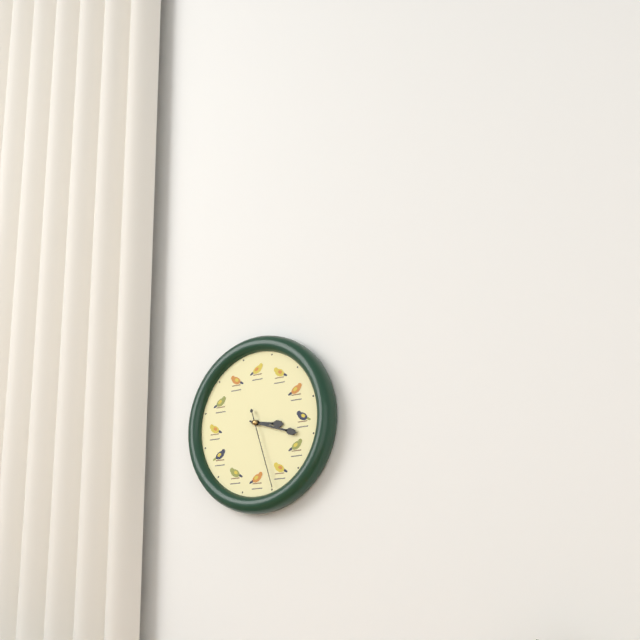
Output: 3h18m27s
